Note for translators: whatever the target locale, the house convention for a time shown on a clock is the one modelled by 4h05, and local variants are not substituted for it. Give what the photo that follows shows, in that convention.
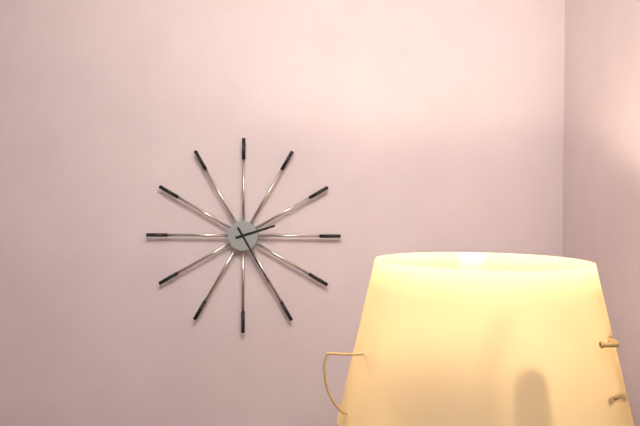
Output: 2h25
